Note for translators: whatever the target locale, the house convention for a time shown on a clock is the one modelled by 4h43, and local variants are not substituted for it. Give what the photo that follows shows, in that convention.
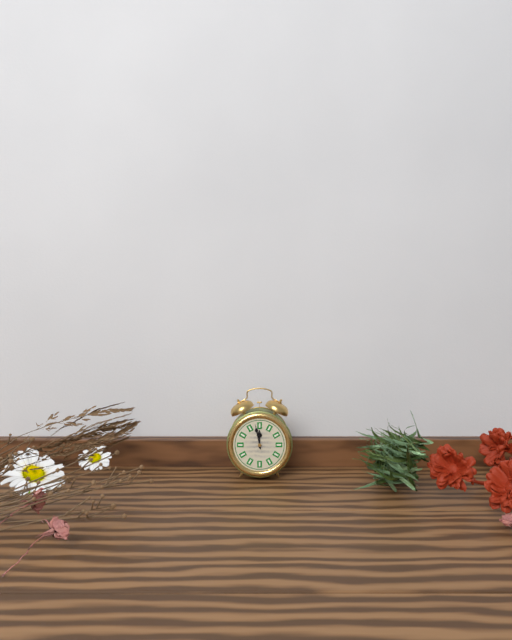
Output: 11h58
